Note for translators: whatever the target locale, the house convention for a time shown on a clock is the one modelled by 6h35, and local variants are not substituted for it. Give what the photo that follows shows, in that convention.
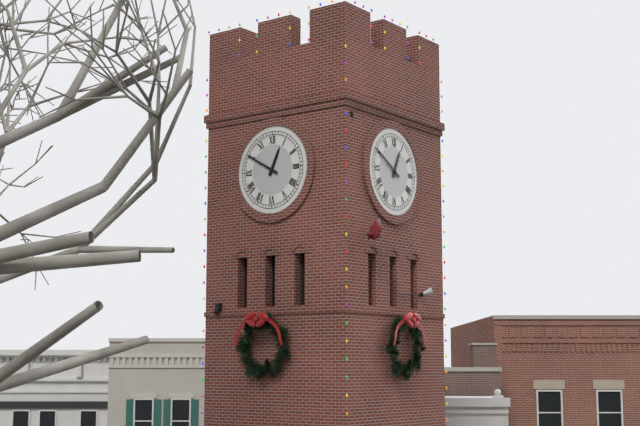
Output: 12h50
